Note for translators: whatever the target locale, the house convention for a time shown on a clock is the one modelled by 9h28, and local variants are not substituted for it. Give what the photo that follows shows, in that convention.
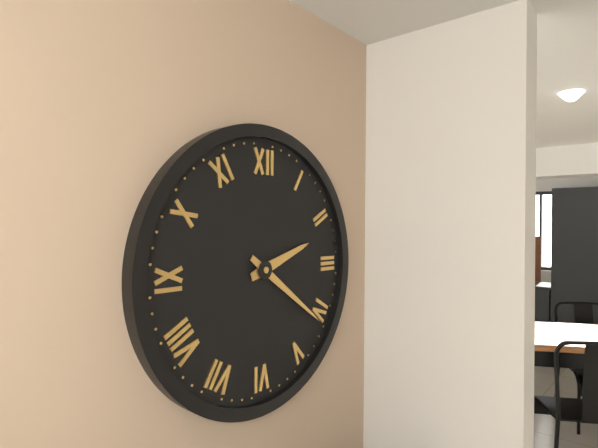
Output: 2h21
